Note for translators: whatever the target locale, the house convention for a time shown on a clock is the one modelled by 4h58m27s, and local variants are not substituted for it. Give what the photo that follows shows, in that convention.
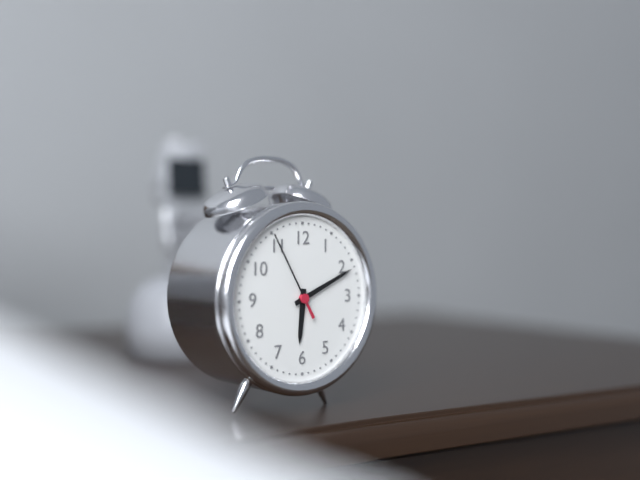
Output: 6h11m55s
